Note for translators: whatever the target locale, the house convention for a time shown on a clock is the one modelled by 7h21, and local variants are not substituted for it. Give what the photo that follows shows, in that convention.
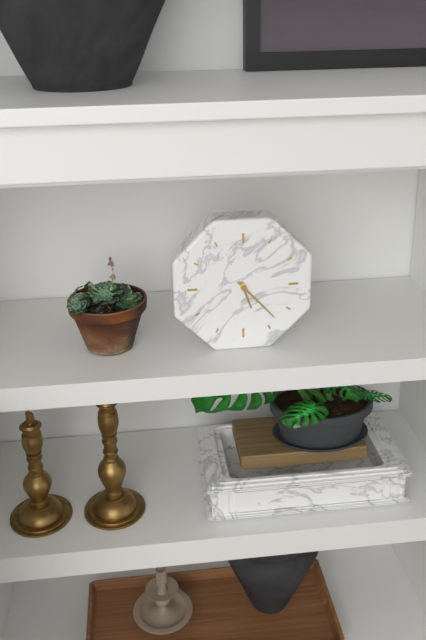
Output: 5h23
